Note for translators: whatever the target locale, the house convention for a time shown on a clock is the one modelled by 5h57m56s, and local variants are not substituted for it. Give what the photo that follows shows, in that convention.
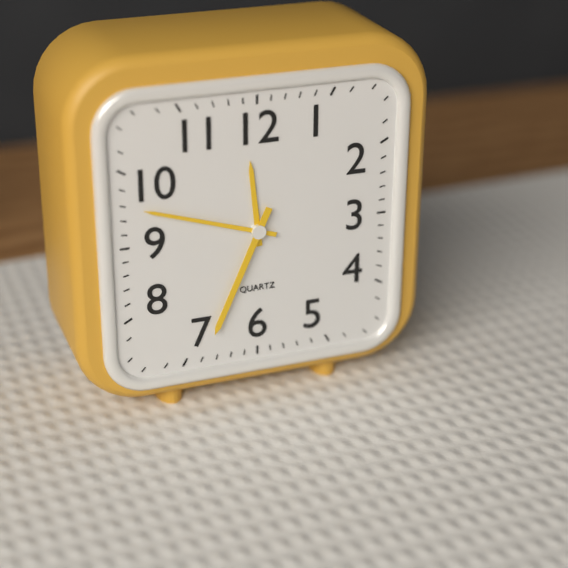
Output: 11h48m34s
